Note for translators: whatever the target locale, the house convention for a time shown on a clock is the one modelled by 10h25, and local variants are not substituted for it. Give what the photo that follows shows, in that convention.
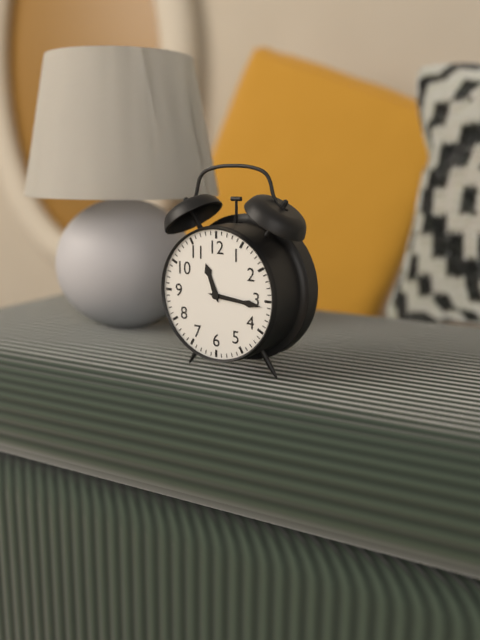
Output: 11h16
